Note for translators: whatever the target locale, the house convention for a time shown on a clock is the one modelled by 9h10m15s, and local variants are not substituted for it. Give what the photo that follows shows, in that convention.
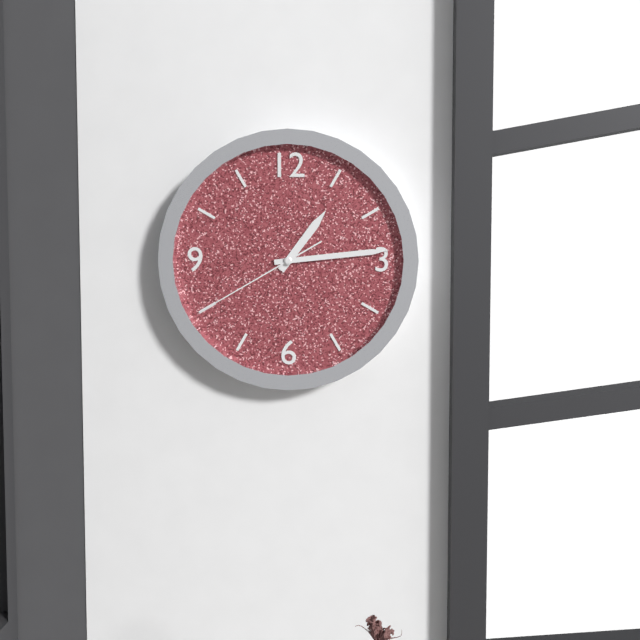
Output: 1h14m40s
